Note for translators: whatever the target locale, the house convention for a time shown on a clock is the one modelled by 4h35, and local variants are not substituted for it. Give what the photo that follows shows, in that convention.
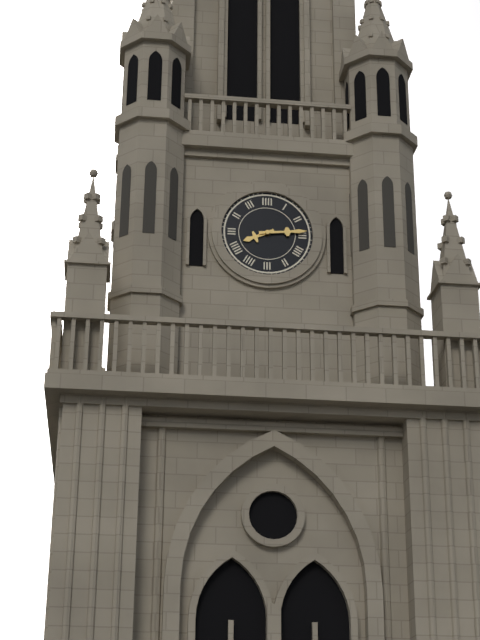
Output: 8h14
